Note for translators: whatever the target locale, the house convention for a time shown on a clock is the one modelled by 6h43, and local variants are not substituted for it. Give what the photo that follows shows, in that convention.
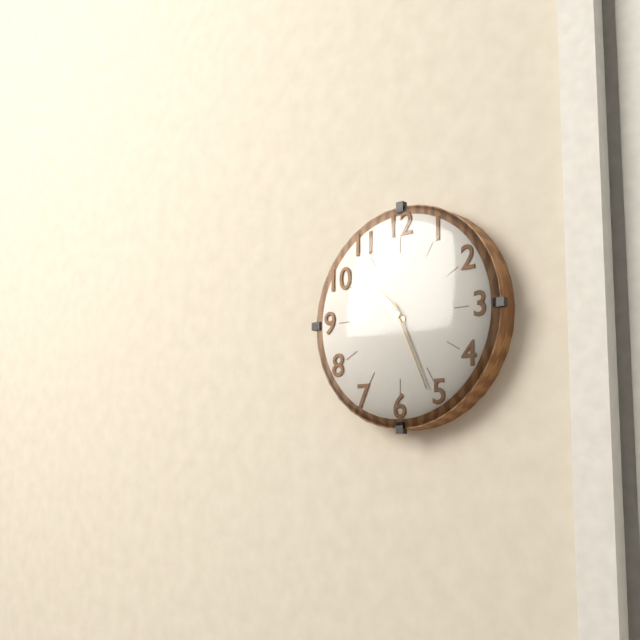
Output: 10h26
